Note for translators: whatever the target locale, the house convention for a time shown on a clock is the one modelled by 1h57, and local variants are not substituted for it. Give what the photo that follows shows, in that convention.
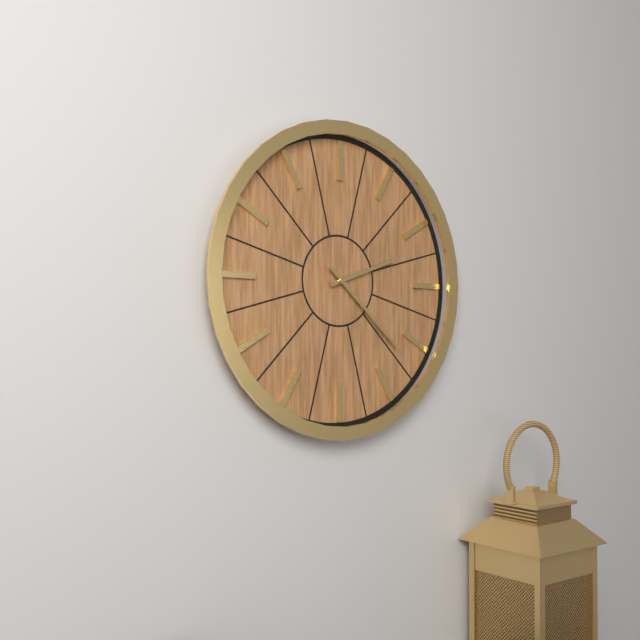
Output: 2h22
